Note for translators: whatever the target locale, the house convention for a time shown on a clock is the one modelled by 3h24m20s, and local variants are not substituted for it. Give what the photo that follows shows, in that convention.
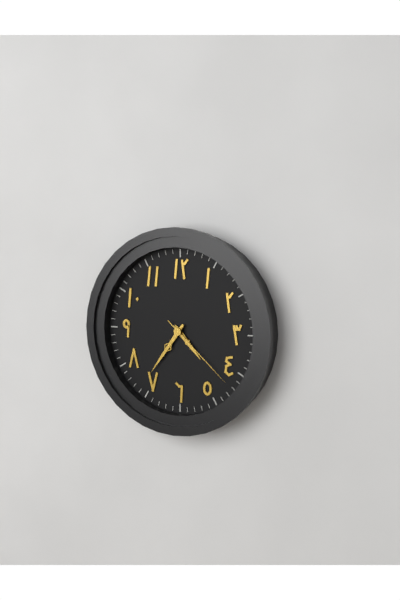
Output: 4h36m22s
